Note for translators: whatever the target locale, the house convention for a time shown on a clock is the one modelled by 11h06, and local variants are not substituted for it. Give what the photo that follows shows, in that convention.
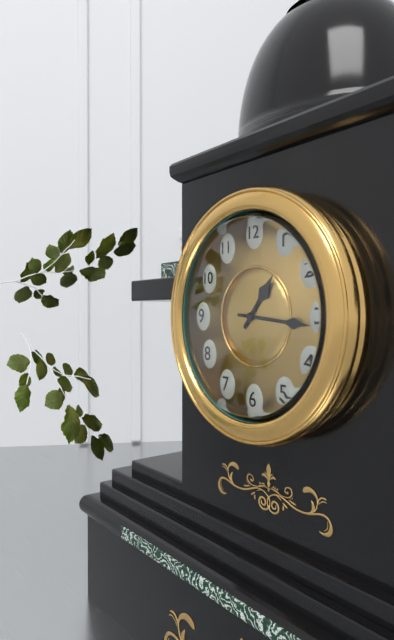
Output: 1h16
